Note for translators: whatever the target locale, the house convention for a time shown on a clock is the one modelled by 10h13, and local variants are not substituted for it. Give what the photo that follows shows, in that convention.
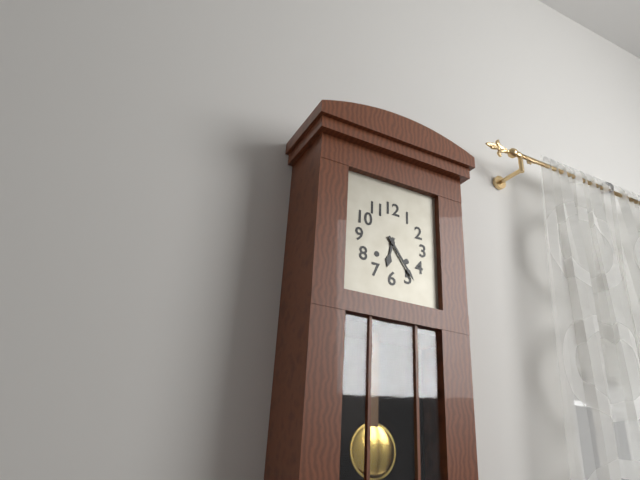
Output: 6h24
